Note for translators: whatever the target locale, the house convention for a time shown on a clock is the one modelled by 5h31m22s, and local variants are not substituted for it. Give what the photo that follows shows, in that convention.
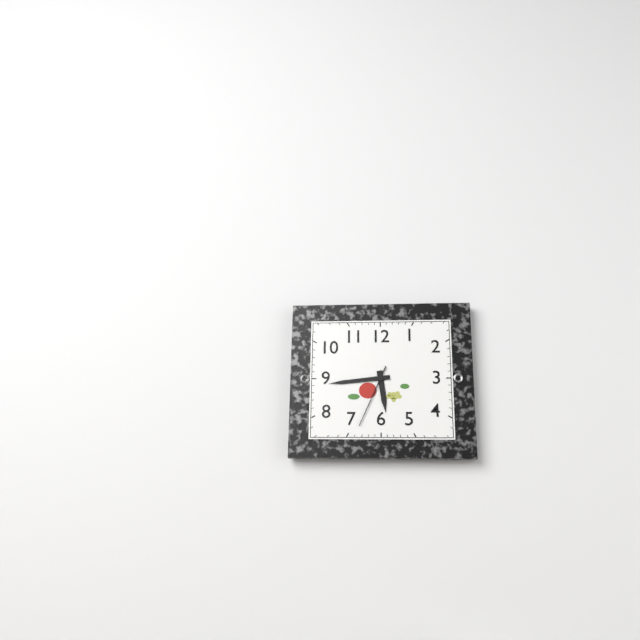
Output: 5h44m34s
